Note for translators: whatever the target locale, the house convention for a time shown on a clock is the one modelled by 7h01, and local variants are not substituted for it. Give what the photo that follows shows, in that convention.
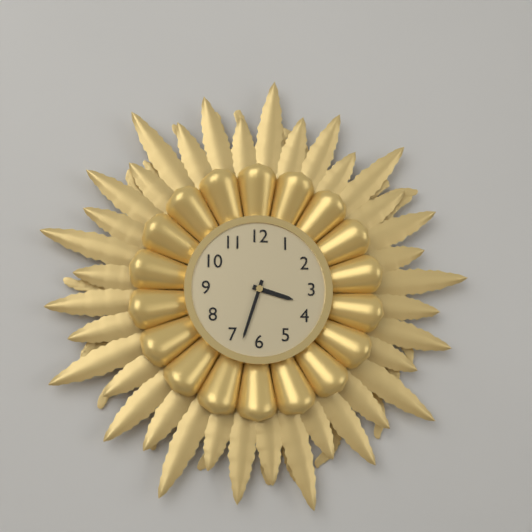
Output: 3h33
